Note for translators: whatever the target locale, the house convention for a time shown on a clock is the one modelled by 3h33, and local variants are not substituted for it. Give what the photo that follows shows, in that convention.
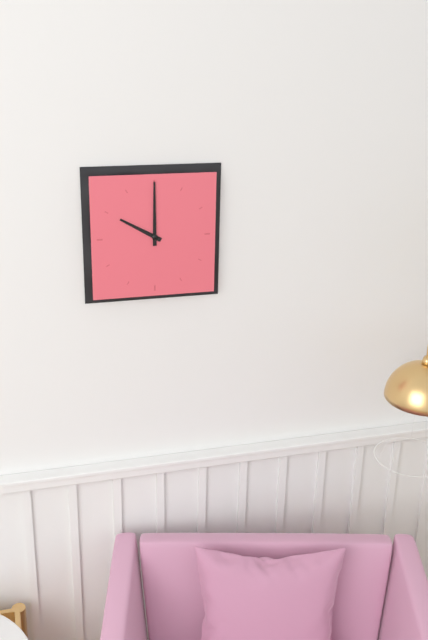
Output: 10h00
